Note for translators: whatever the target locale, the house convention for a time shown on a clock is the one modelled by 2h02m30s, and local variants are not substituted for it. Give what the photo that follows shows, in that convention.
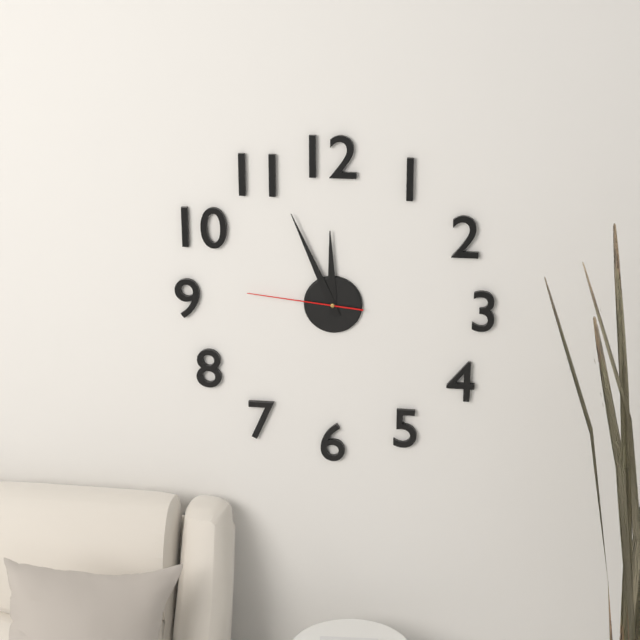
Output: 11h56m46s
